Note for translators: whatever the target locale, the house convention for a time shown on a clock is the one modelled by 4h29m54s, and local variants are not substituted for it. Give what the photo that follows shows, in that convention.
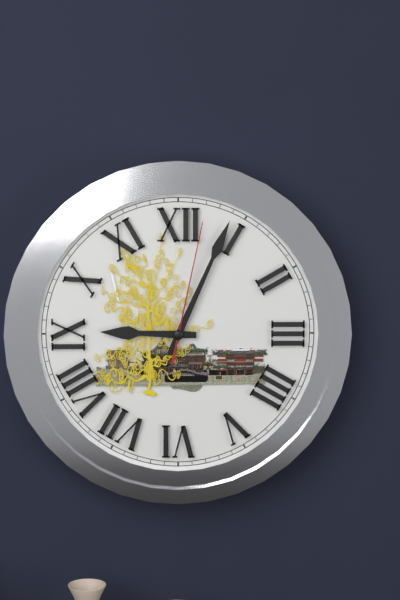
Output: 9h04m02s
